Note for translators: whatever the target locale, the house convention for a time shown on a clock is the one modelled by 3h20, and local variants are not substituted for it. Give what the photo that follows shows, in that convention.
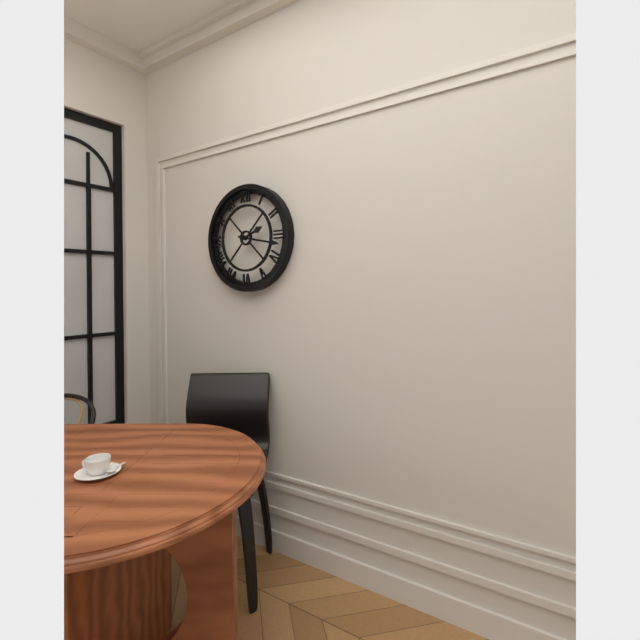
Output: 2h17
